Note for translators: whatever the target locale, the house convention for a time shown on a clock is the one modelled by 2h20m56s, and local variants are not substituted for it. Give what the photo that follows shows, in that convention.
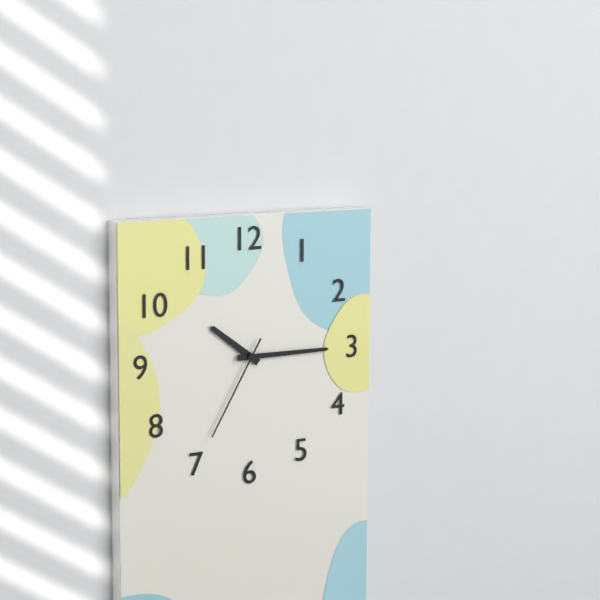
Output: 10h15m35s
